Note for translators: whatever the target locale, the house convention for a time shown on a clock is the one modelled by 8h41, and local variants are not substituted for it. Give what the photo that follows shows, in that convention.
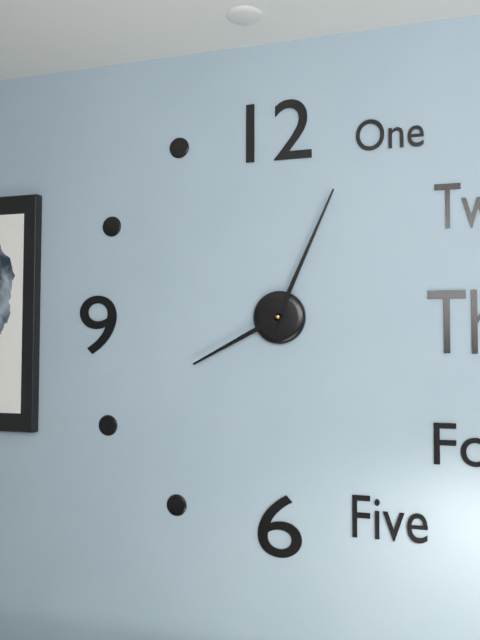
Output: 8h04
